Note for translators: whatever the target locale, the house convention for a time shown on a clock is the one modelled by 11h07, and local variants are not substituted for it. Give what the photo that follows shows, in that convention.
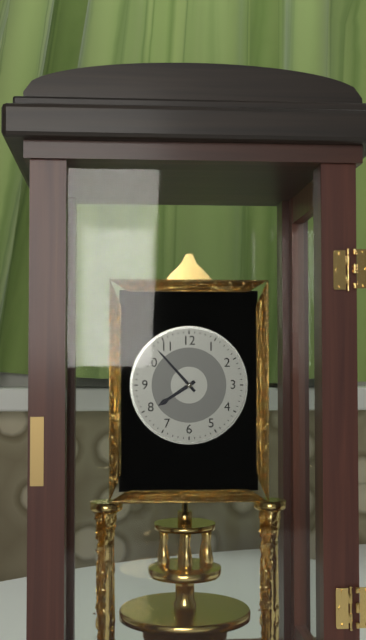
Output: 7h53
